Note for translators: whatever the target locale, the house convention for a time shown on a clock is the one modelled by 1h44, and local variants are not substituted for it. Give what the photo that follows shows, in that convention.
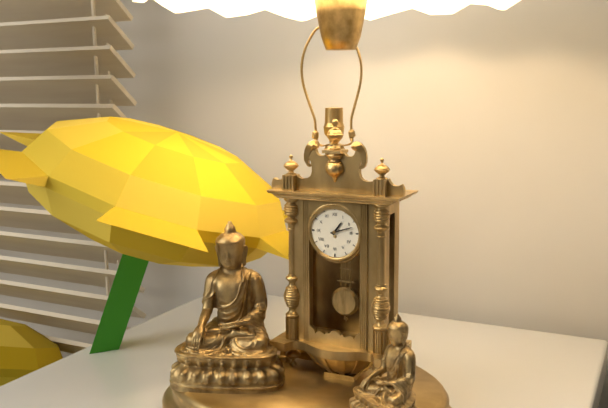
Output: 1h12
